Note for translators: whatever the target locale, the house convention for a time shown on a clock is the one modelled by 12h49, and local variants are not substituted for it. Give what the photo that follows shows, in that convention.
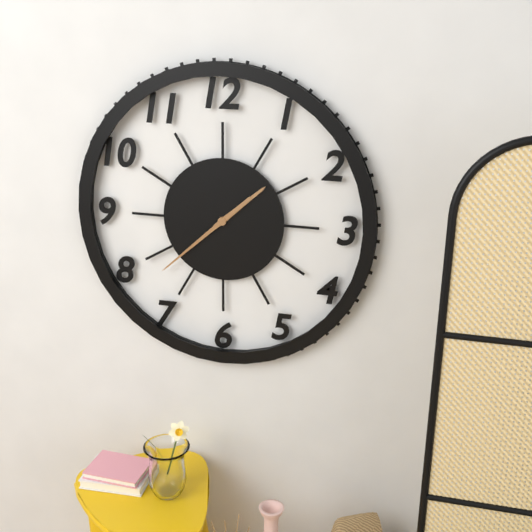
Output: 1h38
